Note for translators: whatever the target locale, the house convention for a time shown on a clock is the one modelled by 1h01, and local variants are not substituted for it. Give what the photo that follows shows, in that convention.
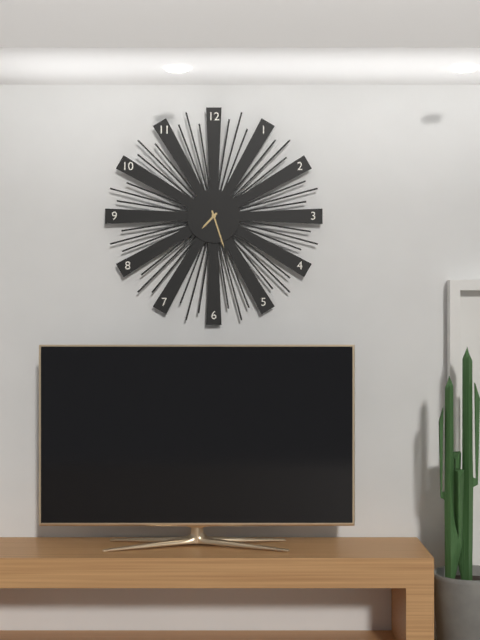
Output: 7h27
